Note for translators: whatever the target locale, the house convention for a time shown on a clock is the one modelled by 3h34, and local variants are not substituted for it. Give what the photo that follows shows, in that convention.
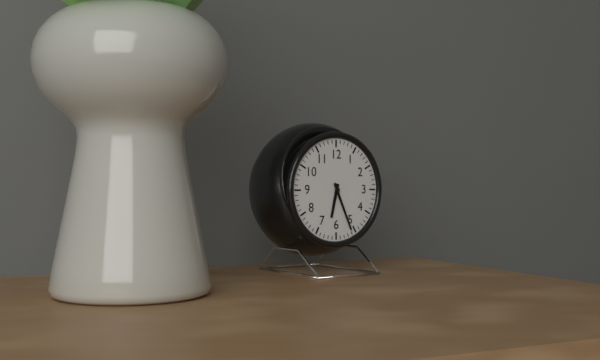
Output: 6h26
